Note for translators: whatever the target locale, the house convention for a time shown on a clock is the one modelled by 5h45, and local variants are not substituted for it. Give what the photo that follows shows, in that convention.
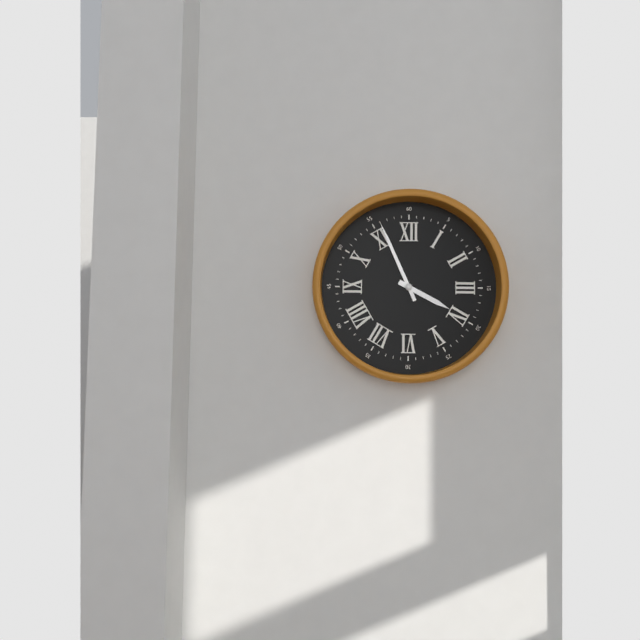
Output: 3h56
